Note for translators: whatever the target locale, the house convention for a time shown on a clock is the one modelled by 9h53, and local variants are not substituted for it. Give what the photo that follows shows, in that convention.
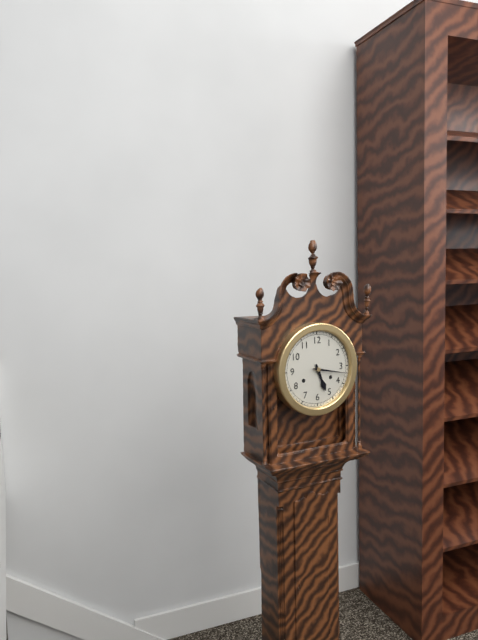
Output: 5h17
